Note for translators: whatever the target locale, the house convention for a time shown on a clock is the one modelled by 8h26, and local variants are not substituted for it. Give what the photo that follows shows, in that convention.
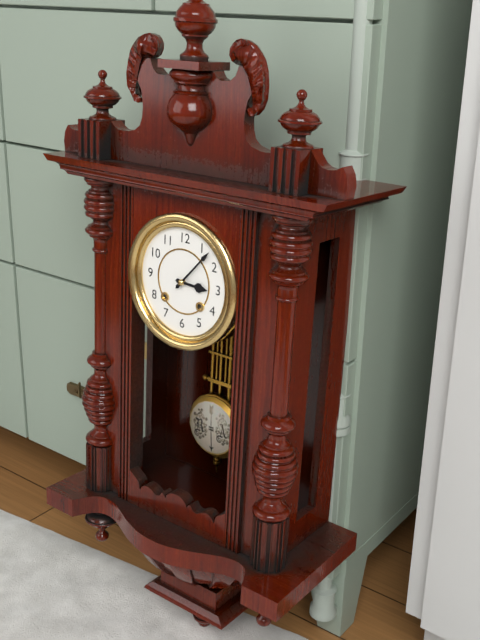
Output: 3h07
